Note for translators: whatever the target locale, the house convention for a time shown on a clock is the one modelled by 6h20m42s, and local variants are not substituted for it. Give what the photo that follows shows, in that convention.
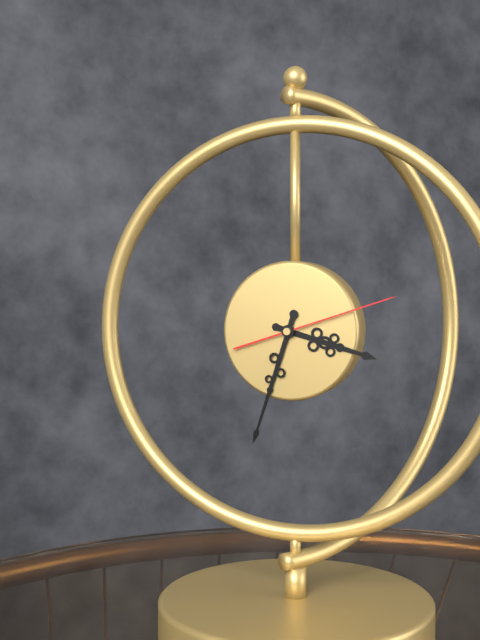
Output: 3h33m12s
